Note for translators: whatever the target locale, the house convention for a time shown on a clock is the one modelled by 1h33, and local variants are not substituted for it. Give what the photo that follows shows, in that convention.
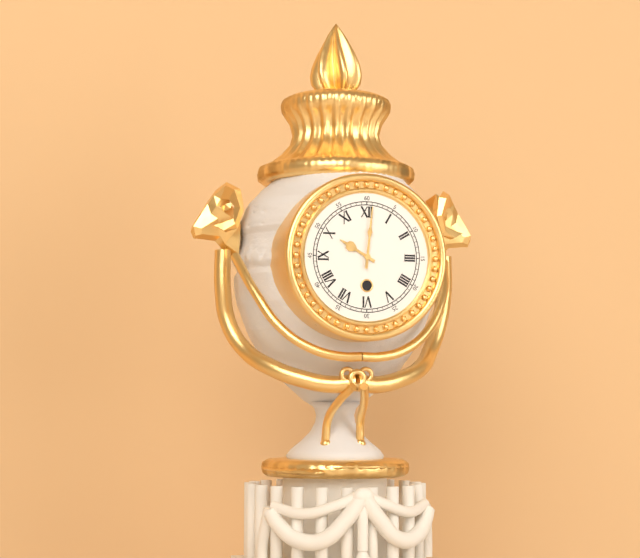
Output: 10h01
